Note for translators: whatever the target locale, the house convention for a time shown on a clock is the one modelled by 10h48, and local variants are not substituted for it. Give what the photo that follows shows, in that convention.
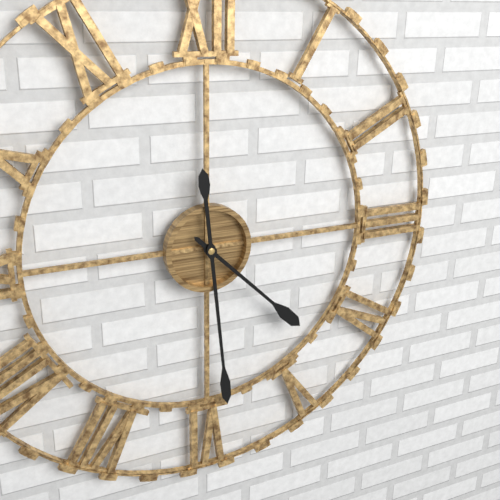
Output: 4h29
